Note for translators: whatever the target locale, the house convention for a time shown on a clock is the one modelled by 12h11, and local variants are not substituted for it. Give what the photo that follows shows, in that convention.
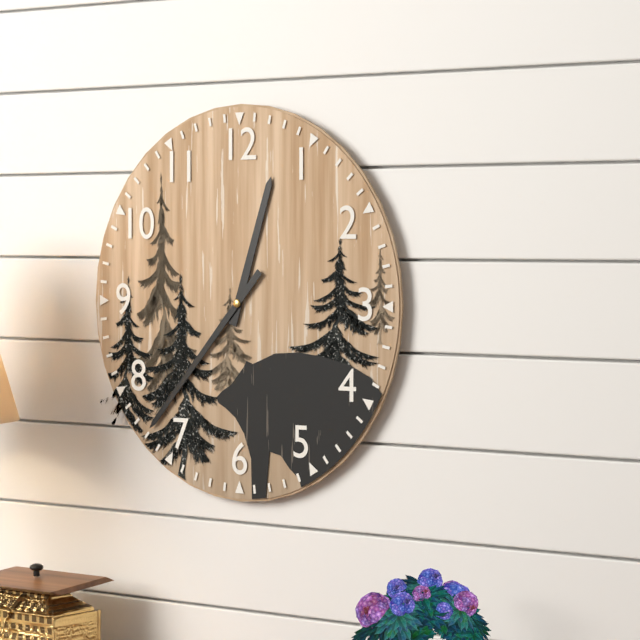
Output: 12h37
